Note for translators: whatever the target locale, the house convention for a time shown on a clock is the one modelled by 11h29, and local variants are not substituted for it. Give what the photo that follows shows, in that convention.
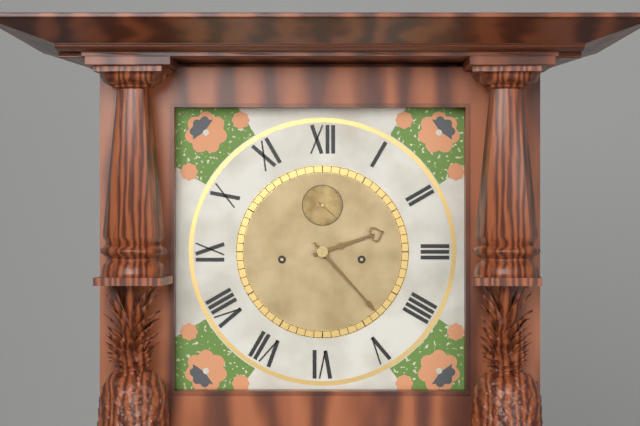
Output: 2h23
